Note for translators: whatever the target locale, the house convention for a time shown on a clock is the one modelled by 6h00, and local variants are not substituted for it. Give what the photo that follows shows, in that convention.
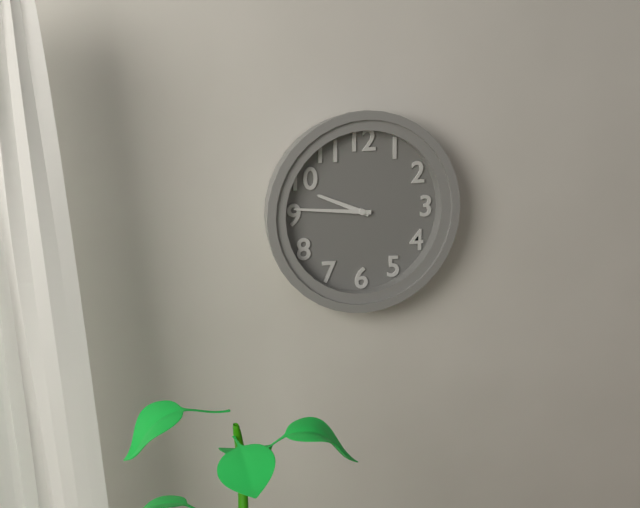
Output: 9h46
